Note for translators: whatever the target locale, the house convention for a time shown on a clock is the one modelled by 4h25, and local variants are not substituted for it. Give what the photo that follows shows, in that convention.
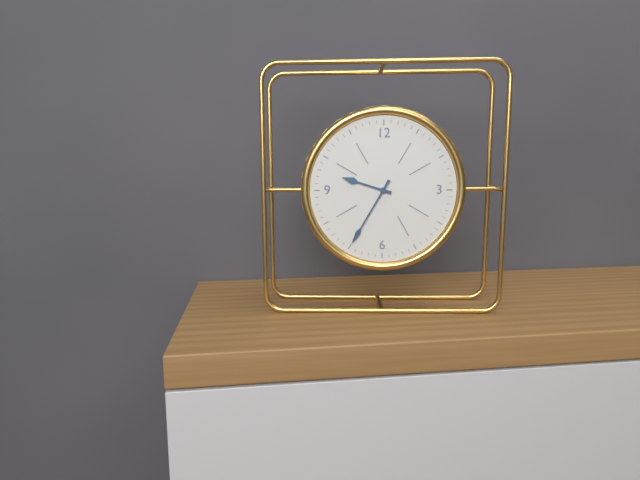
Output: 9h35
